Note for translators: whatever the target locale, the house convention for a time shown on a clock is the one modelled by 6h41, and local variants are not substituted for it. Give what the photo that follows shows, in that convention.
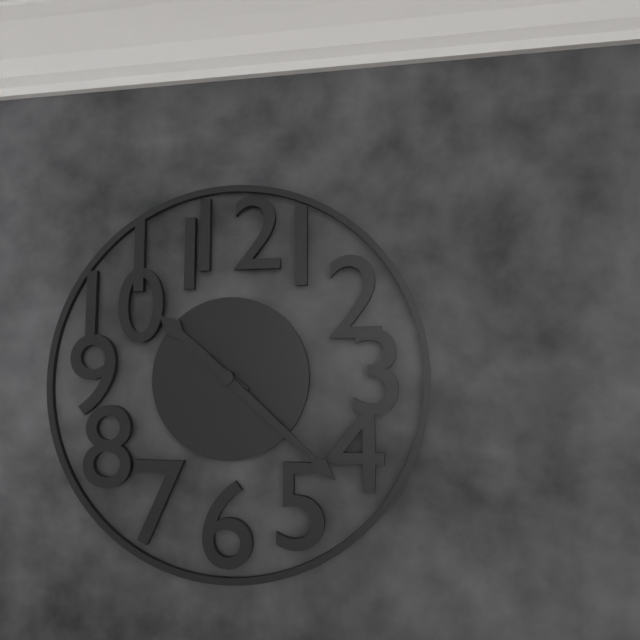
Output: 10h22
